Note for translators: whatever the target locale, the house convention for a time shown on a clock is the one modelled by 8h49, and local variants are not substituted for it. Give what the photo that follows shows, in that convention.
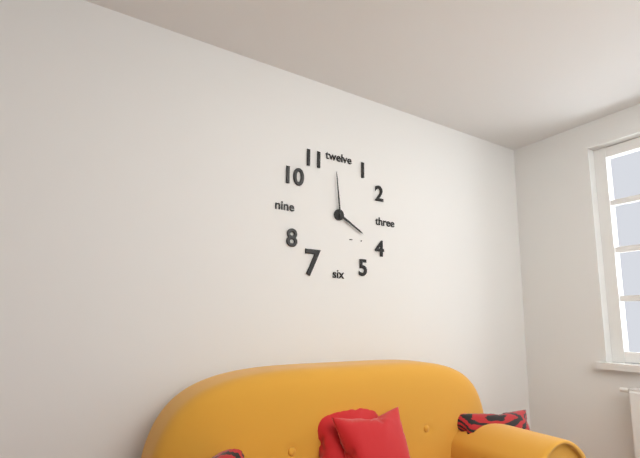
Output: 3h59
